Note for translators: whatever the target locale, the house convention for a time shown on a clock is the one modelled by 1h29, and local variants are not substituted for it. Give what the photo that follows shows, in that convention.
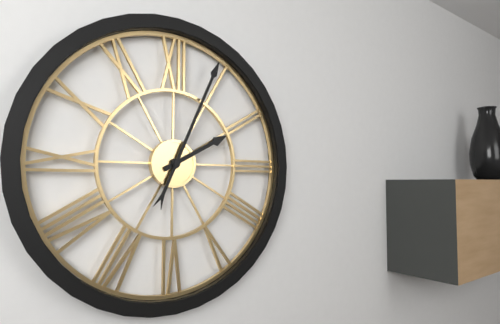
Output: 2h04
